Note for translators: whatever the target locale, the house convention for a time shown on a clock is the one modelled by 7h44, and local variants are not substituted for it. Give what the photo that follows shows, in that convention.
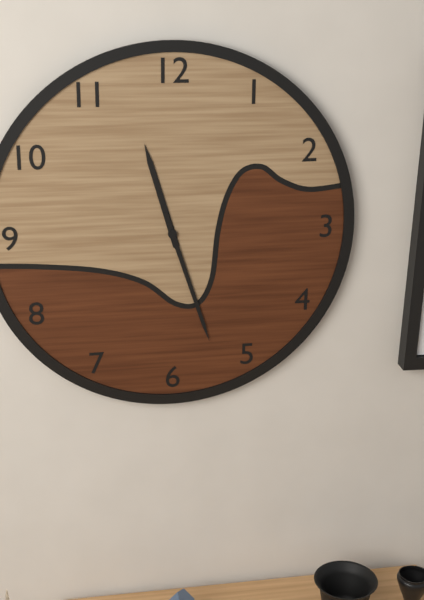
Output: 11h27
